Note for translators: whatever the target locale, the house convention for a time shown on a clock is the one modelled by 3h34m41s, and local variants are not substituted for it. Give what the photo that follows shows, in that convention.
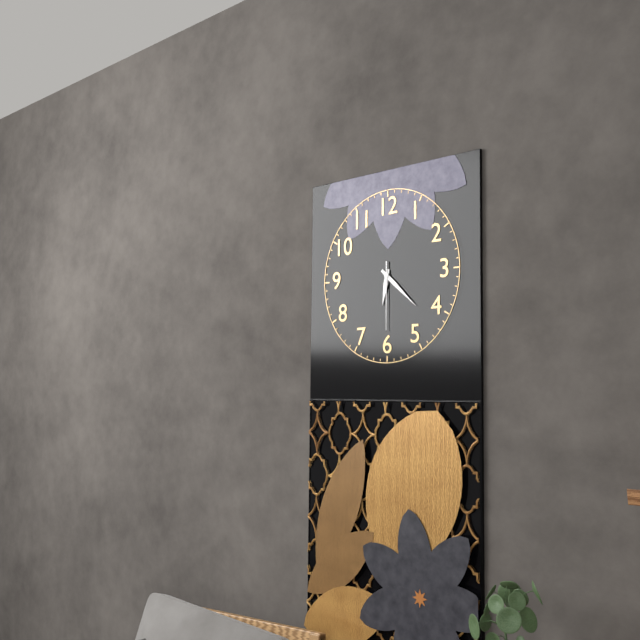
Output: 6h22m30s
